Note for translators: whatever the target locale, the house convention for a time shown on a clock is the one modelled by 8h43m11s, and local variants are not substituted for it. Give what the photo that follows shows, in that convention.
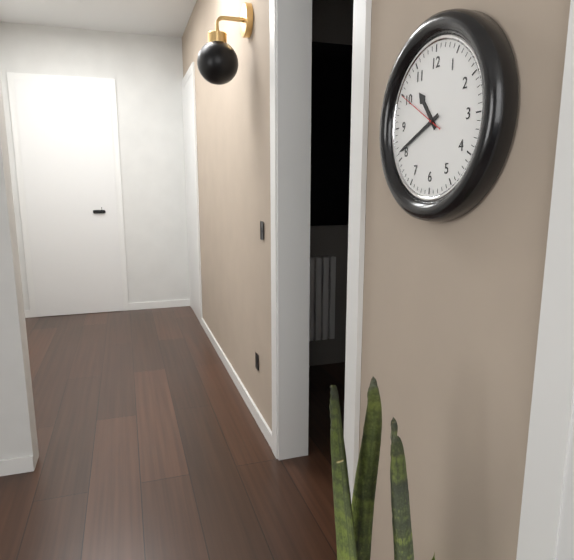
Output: 10h41m50s
